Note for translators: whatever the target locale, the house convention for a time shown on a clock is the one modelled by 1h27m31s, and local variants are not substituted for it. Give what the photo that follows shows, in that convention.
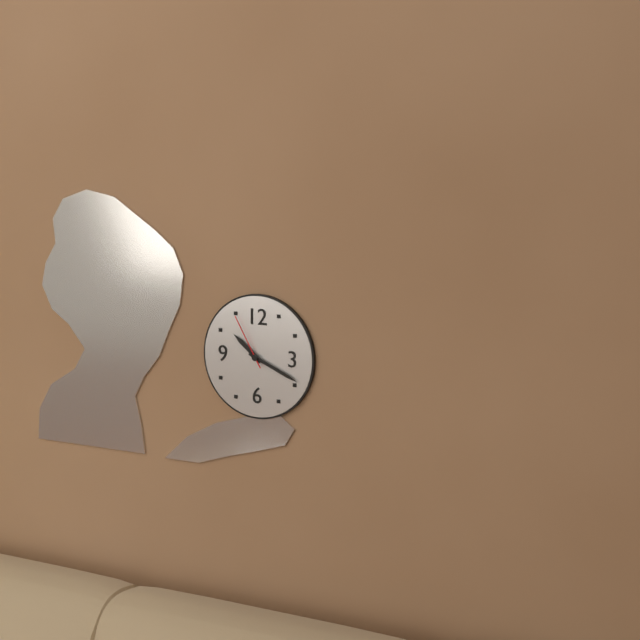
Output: 10h19m55s
